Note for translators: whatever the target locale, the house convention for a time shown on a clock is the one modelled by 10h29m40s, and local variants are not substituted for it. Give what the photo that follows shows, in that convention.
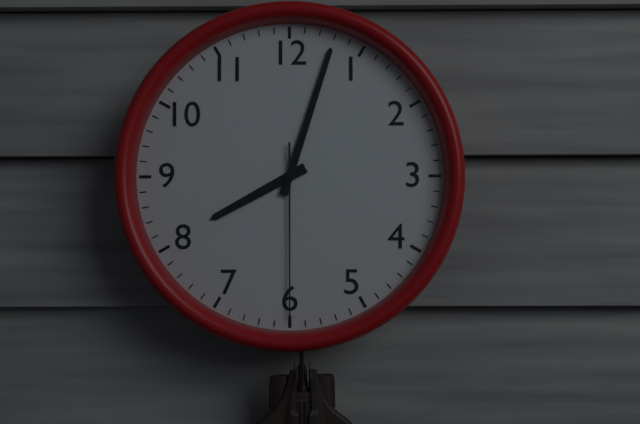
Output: 8h03m30s
